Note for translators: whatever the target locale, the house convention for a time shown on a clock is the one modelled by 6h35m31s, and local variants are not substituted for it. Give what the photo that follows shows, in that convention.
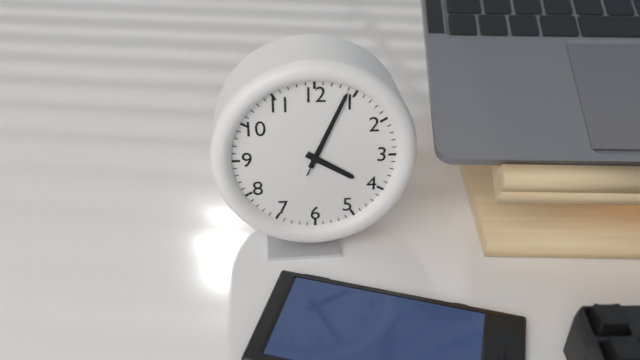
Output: 4h04m04s
